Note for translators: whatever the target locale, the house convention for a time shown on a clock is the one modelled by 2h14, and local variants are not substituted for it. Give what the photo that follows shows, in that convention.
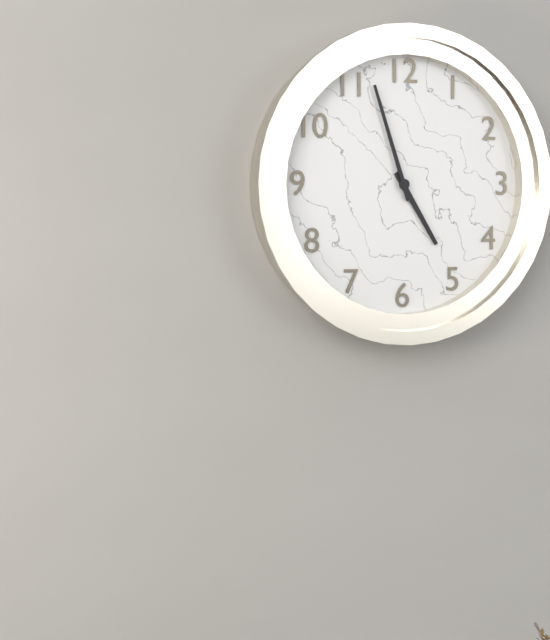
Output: 4h57
